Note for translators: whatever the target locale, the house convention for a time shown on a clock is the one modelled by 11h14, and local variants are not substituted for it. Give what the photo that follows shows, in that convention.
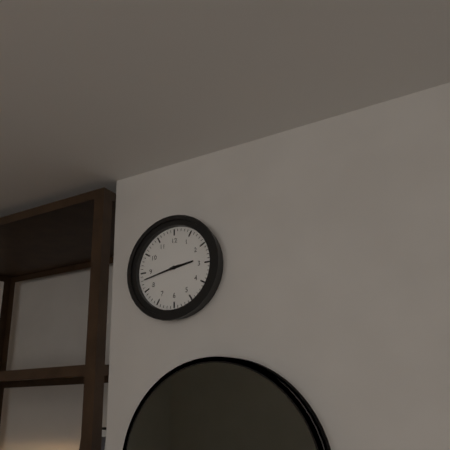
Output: 2h43
